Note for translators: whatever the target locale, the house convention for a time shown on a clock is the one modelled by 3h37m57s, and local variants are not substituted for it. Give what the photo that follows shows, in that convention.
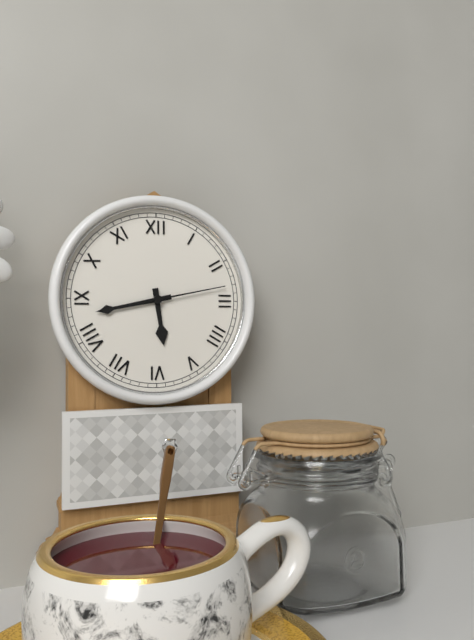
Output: 5h43m13s
